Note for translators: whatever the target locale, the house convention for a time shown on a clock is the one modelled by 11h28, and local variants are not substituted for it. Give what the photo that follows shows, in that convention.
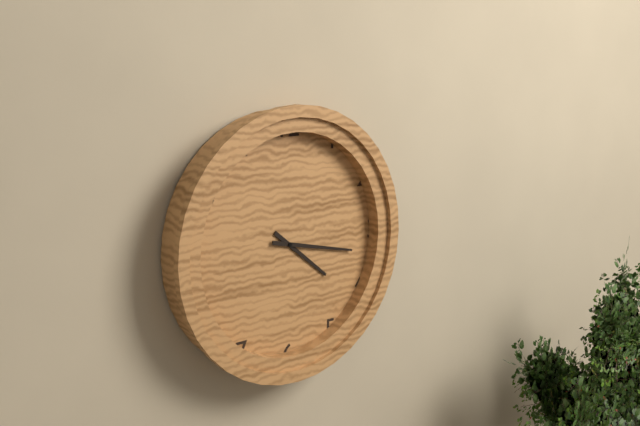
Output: 4h17
